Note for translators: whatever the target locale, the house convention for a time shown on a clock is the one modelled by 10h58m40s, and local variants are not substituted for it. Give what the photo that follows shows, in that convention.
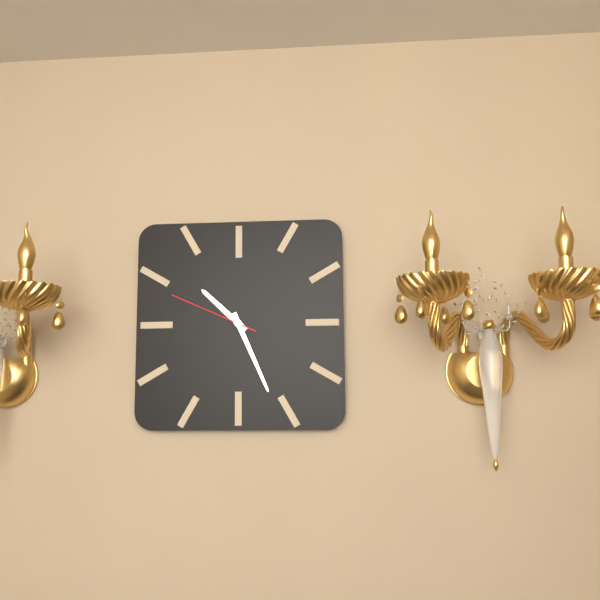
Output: 10h26m49s
